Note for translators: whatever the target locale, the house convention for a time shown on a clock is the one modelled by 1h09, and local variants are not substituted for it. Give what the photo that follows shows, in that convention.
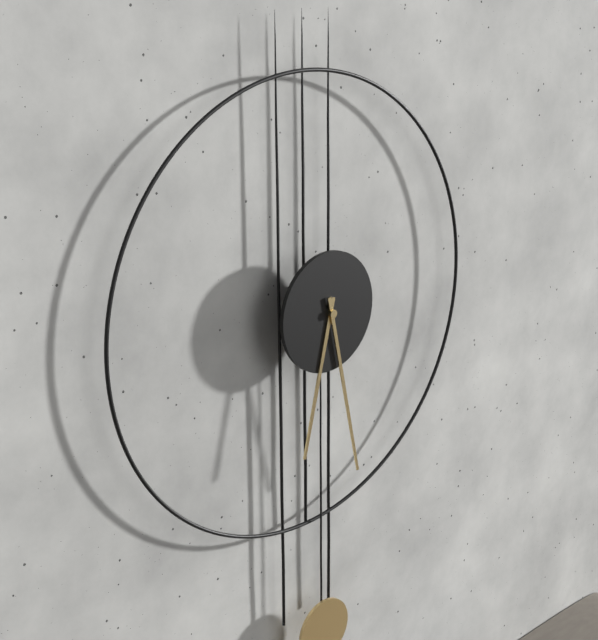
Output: 6h28
